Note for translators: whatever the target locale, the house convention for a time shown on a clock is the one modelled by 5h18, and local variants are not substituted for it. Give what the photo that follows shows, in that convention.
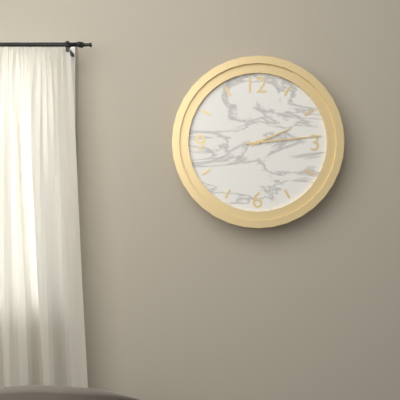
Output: 2h14
